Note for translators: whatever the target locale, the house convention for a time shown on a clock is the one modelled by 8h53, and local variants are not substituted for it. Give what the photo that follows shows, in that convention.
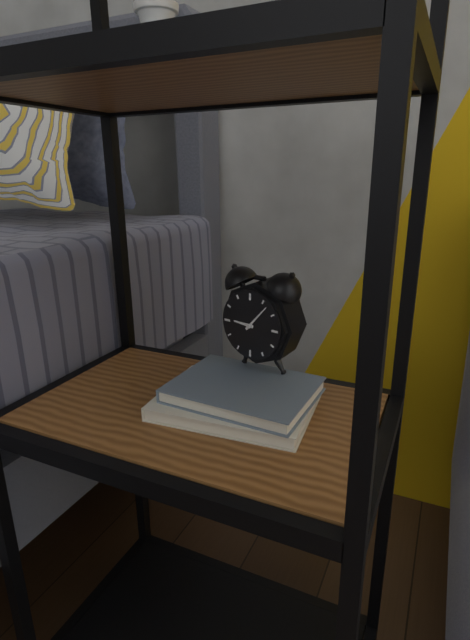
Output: 9h07
